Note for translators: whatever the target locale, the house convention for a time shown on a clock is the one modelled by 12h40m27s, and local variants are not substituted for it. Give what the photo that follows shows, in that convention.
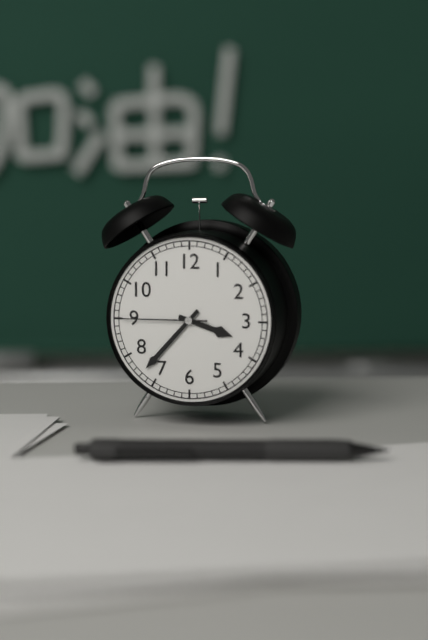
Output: 3h37m45s
